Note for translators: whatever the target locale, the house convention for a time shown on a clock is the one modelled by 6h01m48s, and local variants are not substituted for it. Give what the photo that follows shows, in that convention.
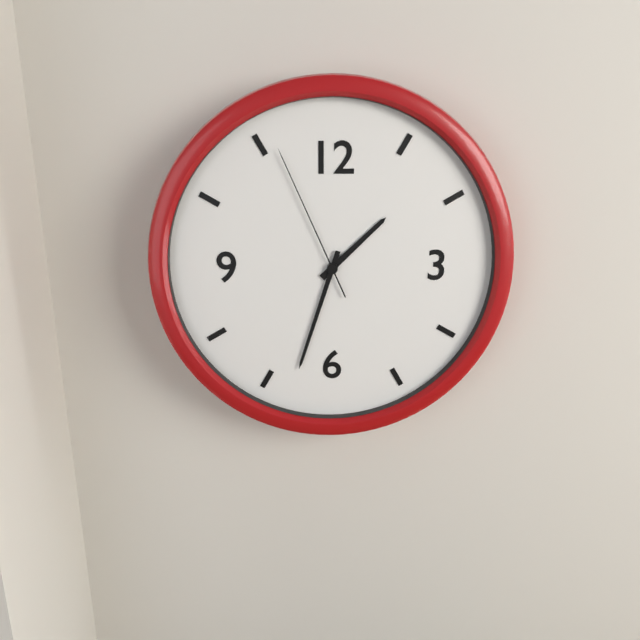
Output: 1h33m56s
